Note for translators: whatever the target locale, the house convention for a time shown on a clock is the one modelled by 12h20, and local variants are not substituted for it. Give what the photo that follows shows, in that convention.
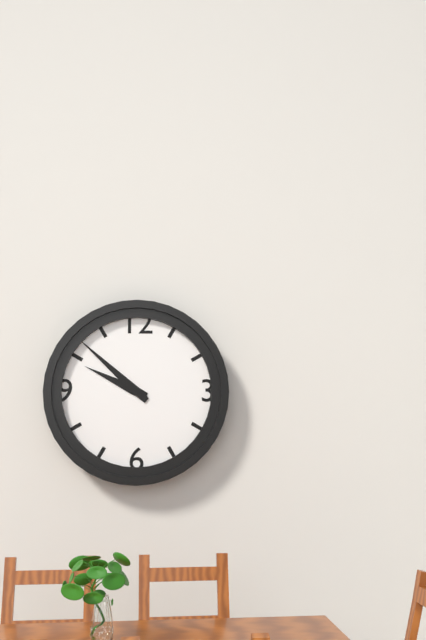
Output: 9h52
